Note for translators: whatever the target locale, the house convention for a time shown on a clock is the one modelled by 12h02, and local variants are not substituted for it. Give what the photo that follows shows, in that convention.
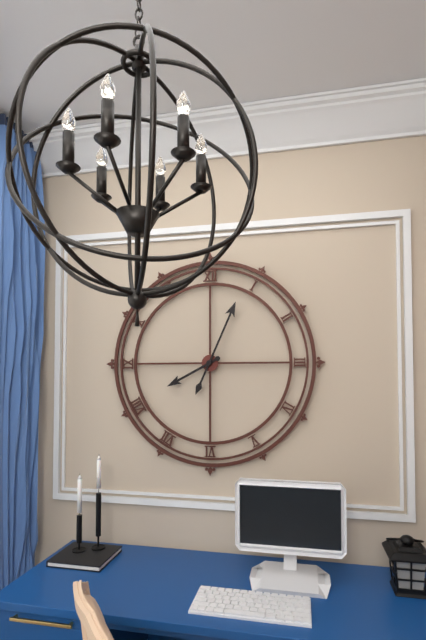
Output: 8h04
